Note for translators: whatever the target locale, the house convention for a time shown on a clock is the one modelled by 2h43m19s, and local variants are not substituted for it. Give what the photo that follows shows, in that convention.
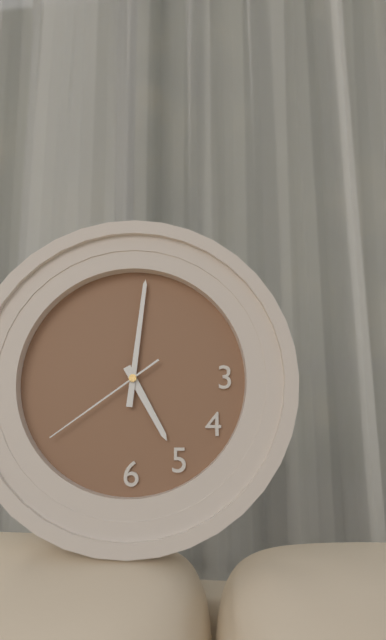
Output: 5h01m39s
